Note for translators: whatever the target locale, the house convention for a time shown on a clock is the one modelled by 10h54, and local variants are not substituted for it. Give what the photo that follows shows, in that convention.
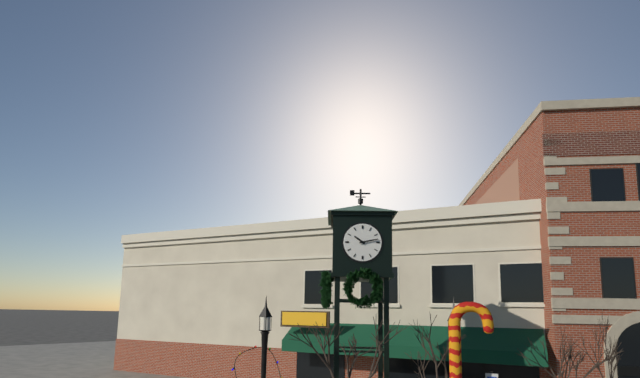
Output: 10h13
